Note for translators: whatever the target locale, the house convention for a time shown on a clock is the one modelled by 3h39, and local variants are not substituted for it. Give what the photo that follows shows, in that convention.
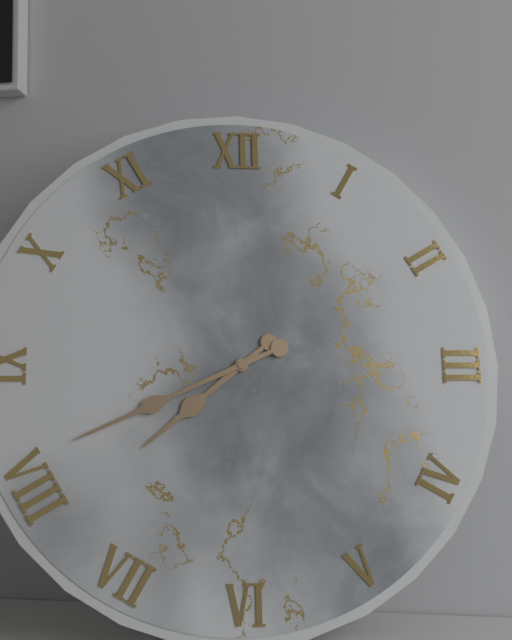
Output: 7h41
